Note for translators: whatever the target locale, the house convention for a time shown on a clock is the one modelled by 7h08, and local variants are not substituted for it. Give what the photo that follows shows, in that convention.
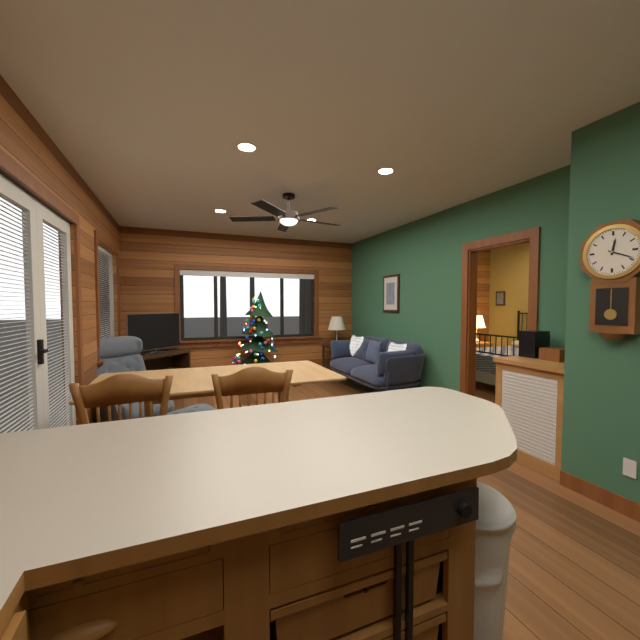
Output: 12h19
